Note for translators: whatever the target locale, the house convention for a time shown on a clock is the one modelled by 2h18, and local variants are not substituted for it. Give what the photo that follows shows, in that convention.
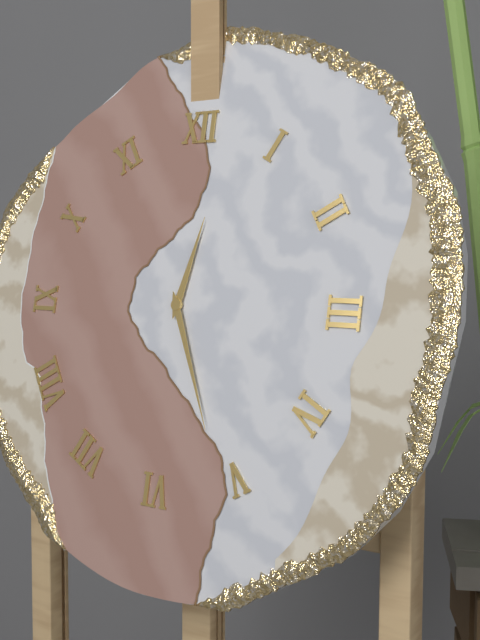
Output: 12h26
